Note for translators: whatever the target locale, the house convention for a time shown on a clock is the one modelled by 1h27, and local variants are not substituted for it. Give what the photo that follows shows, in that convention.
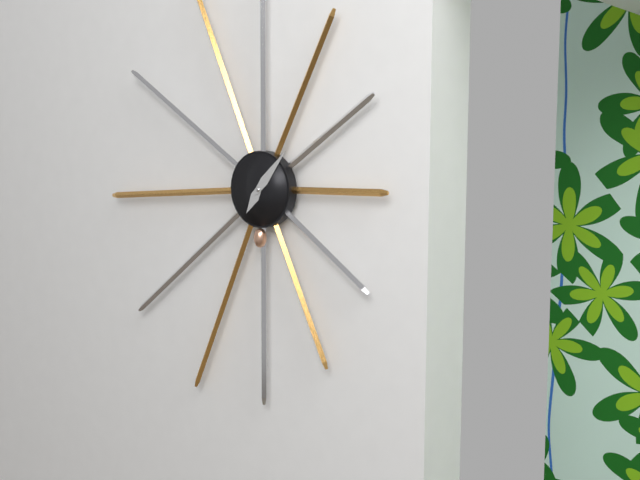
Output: 7h07
